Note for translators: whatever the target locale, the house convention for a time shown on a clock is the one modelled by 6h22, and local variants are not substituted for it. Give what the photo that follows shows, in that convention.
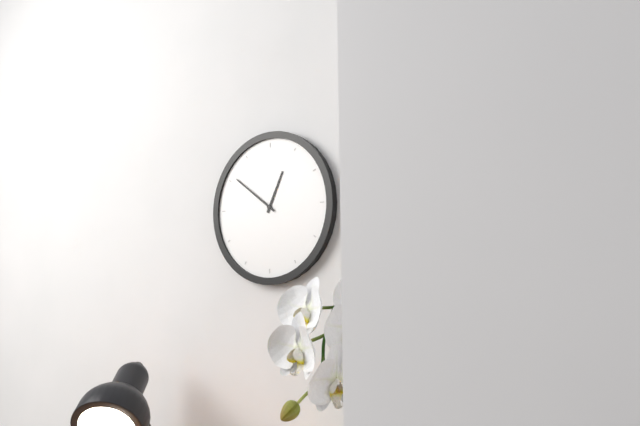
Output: 12h51
